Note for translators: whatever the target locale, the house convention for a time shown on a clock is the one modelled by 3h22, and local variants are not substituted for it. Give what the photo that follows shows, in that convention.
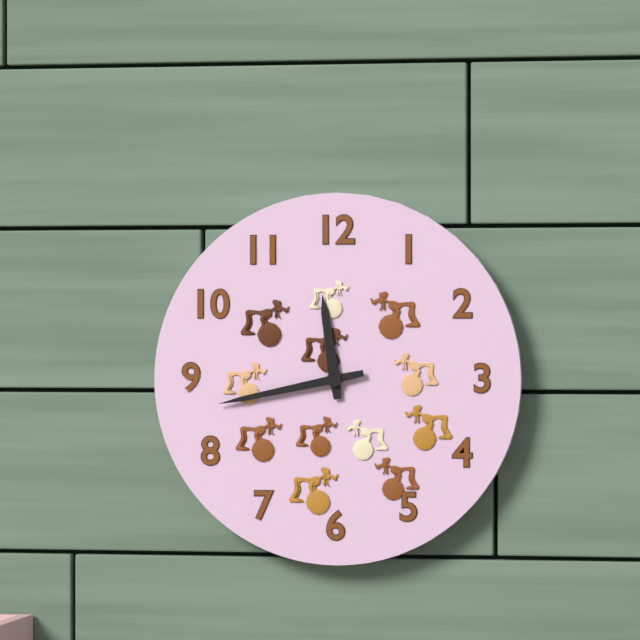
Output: 11h43
